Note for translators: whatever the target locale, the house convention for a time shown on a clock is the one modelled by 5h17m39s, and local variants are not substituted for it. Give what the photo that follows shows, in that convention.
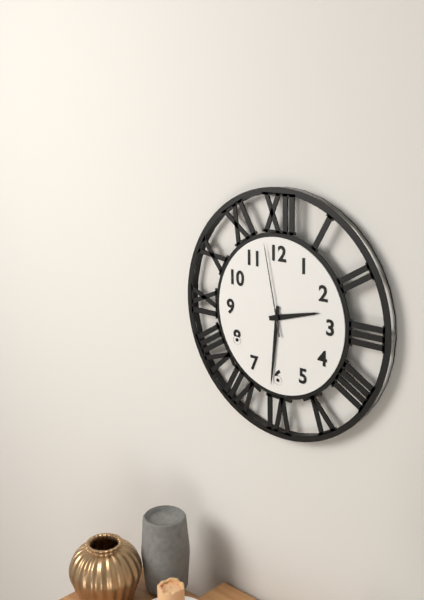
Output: 2h31m58s
